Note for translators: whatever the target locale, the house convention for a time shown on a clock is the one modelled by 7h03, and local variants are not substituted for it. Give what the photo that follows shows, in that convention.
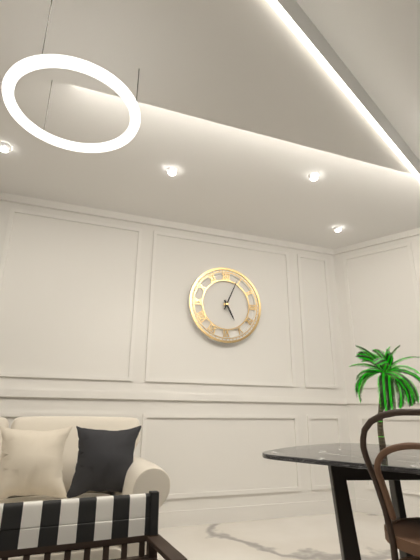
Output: 5h04
